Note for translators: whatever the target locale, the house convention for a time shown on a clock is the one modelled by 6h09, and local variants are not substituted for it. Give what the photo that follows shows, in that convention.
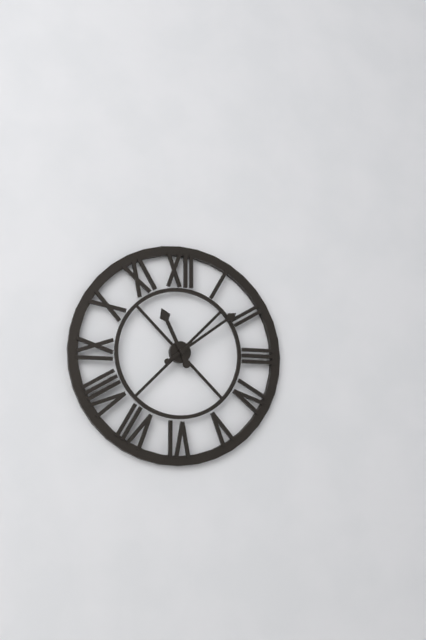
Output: 11h09
